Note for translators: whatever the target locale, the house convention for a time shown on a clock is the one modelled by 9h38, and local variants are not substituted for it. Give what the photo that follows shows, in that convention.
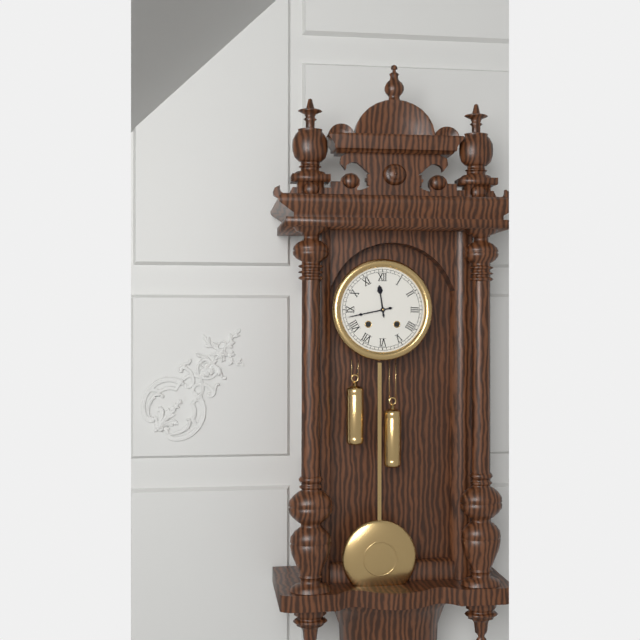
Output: 11h43
